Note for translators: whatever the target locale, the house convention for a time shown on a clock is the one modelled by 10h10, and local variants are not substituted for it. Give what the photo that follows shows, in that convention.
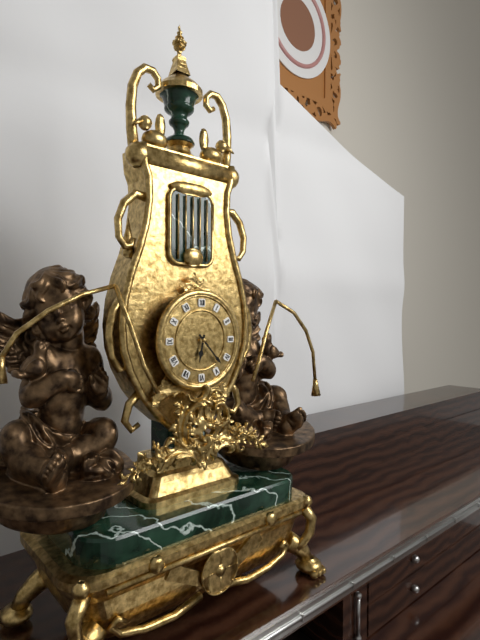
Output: 6h23
